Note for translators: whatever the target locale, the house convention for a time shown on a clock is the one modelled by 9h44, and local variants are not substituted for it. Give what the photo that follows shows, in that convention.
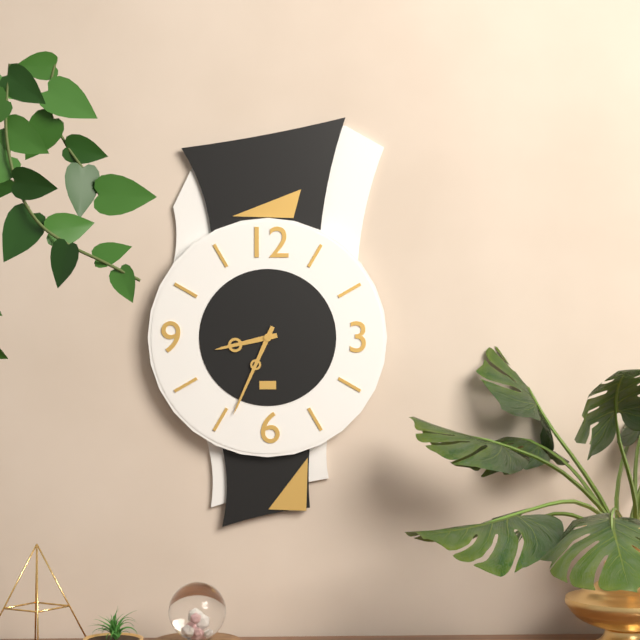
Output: 8h34
